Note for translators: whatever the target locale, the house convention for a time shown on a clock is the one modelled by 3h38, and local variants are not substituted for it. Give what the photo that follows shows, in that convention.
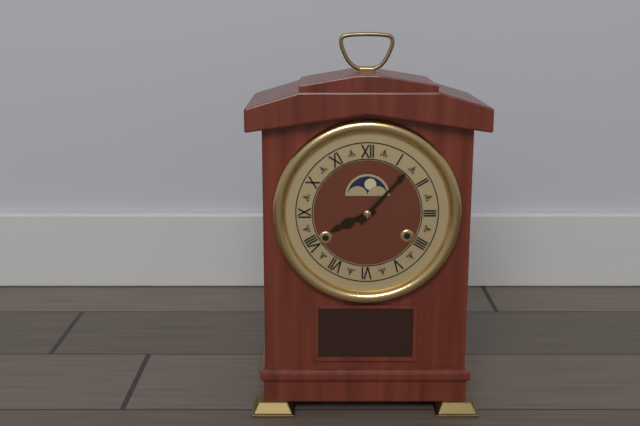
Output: 8h07
